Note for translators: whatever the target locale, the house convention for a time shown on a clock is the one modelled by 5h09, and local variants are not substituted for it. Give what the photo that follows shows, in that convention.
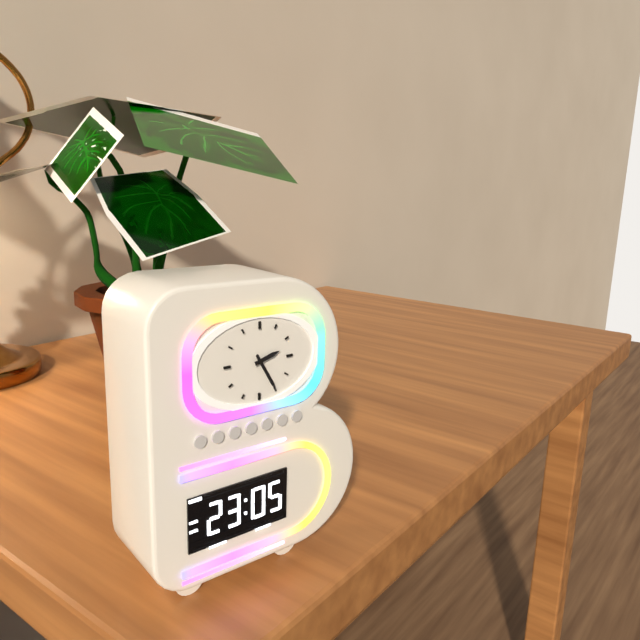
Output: 2h25
